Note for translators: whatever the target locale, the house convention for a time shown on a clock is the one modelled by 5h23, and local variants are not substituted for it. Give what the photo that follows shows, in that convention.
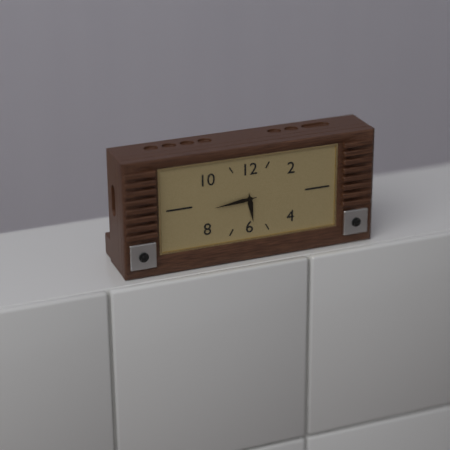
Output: 5h44
